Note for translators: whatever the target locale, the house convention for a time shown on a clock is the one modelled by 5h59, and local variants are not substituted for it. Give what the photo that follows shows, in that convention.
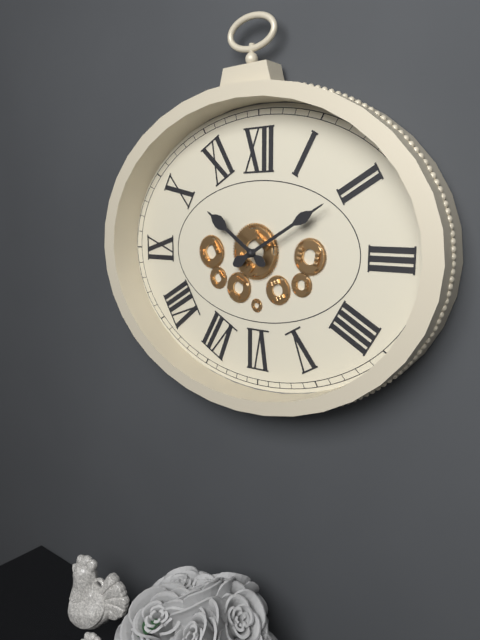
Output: 10h10
